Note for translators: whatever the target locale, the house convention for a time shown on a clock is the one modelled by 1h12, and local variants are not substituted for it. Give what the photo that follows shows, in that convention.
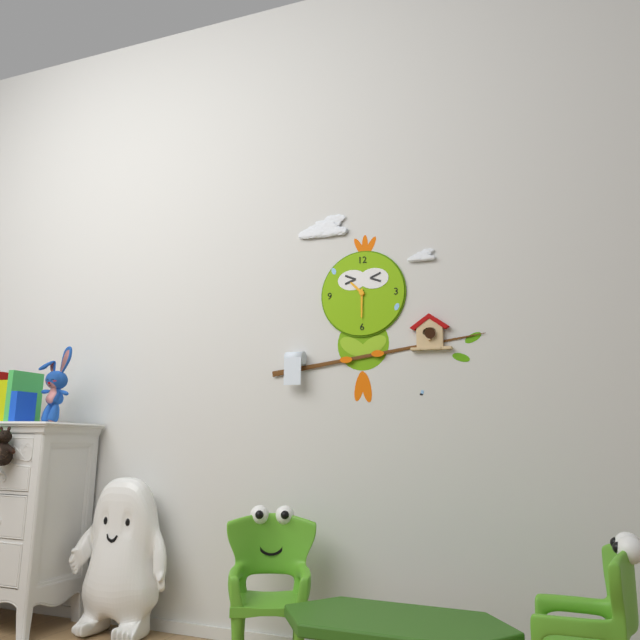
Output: 10h30
